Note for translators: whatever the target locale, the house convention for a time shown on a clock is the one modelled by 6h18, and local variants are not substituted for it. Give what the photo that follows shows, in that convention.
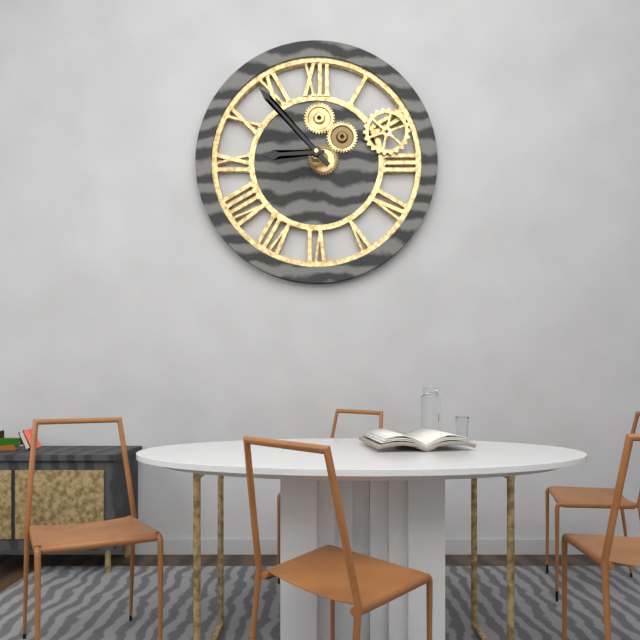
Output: 8h53
